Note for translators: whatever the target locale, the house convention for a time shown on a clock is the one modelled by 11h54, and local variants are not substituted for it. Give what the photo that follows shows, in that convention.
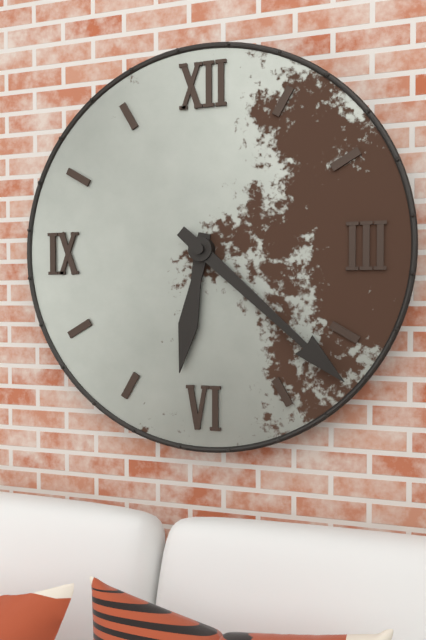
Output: 6h22
